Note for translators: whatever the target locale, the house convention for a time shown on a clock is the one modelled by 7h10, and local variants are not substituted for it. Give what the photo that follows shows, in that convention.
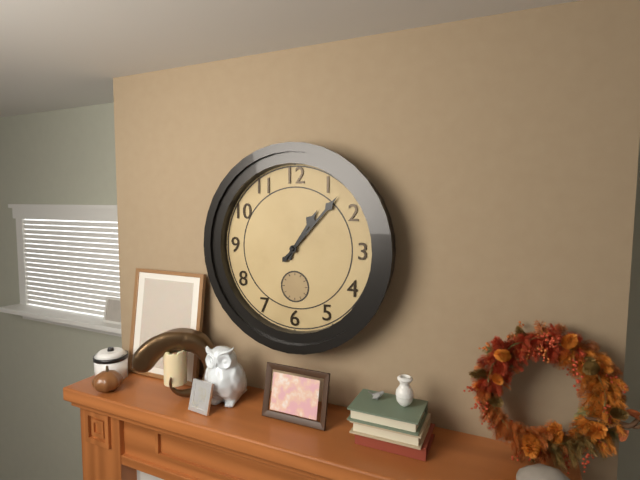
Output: 1h07
